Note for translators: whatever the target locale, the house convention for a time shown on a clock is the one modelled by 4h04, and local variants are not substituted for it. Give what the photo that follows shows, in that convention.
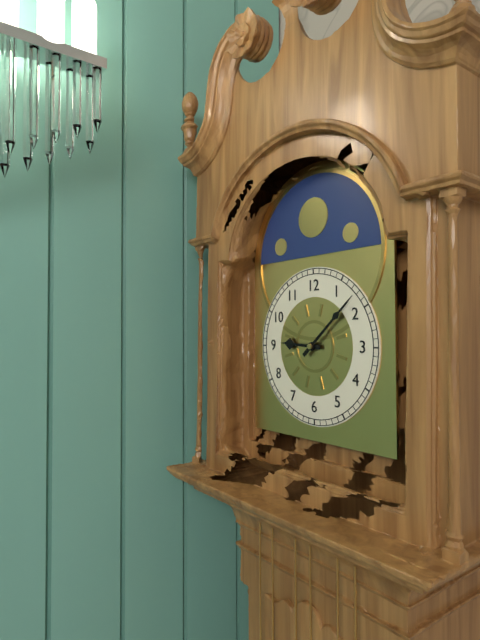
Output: 9h08
